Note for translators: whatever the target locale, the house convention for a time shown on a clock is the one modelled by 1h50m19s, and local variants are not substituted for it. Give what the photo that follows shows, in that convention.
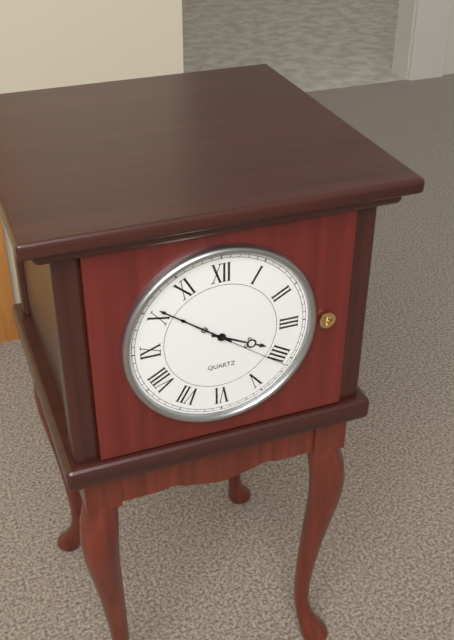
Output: 3h51m21s
